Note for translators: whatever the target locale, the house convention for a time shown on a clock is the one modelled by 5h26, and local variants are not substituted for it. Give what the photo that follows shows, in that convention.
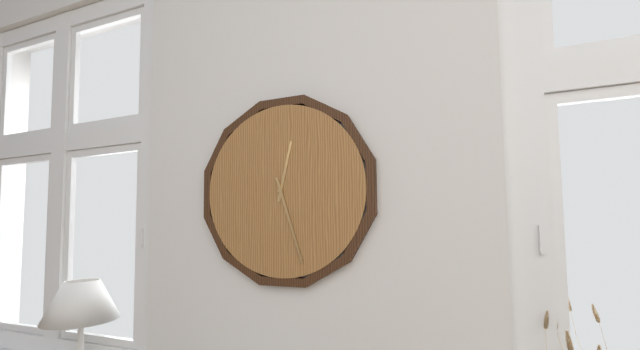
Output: 12h27
